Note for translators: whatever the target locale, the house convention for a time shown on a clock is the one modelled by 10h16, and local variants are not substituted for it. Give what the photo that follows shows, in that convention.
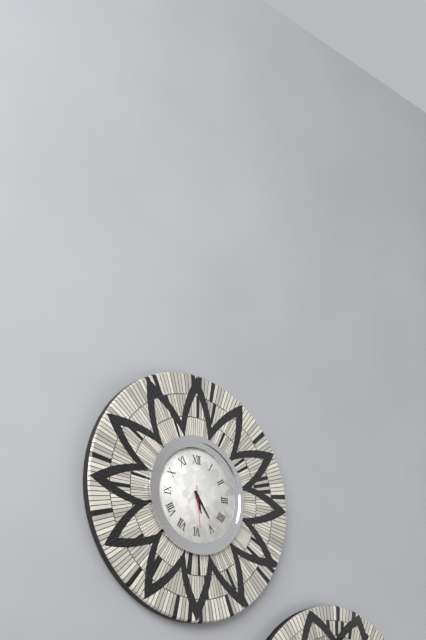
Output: 5h24
